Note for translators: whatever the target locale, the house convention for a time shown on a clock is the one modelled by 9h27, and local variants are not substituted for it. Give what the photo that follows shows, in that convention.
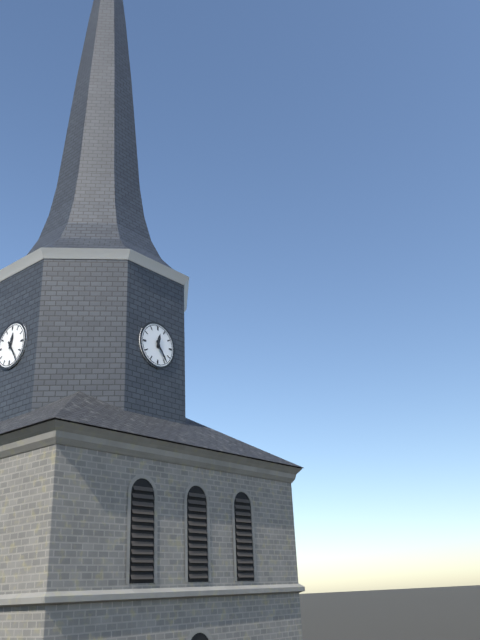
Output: 12h24
